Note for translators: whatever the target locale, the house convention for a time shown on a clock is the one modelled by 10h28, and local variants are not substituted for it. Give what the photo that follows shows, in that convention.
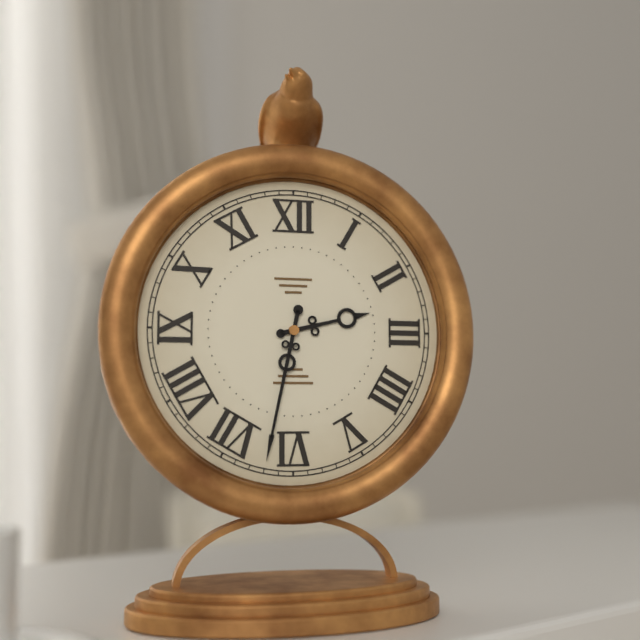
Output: 2h32
